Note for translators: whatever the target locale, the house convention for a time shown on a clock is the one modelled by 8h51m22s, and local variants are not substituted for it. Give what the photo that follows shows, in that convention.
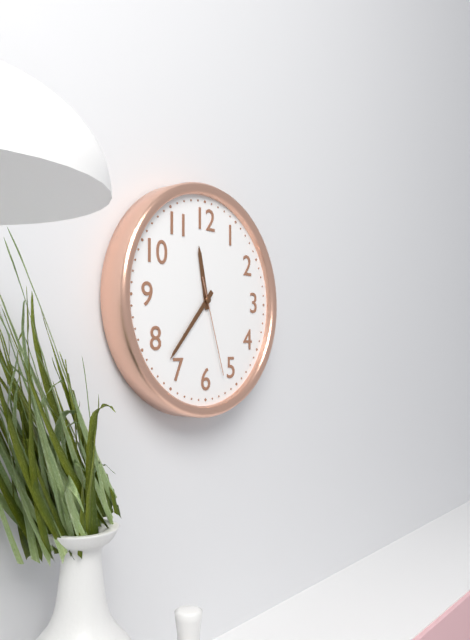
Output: 11h37m27s
